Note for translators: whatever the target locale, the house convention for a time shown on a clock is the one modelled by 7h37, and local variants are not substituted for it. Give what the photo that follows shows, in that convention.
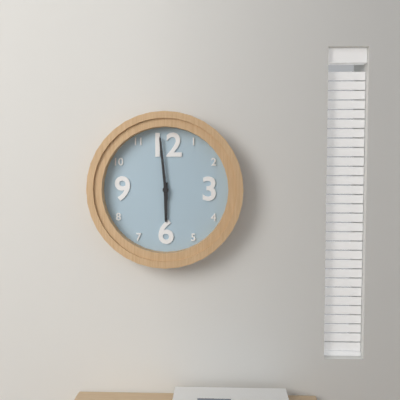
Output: 5h59
